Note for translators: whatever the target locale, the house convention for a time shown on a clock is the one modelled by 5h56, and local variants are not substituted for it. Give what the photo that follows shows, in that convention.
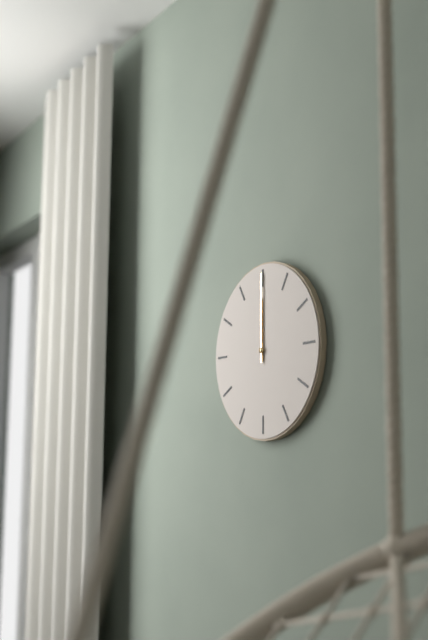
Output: 12h00
